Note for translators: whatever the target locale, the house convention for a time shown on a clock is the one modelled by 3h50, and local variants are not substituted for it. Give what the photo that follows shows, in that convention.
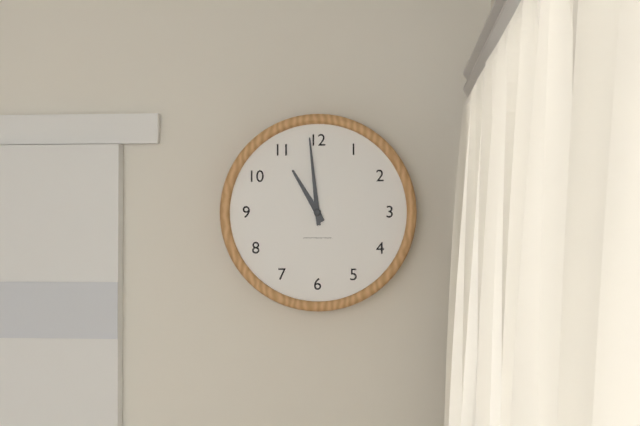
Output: 10h59
